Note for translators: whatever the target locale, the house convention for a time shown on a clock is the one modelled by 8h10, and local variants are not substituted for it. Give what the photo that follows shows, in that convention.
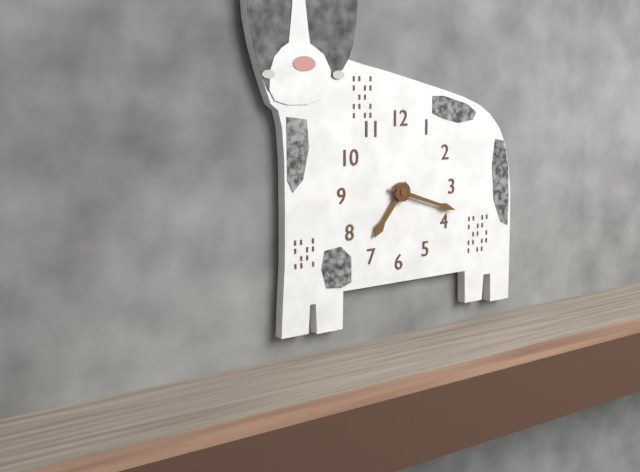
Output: 7h18
